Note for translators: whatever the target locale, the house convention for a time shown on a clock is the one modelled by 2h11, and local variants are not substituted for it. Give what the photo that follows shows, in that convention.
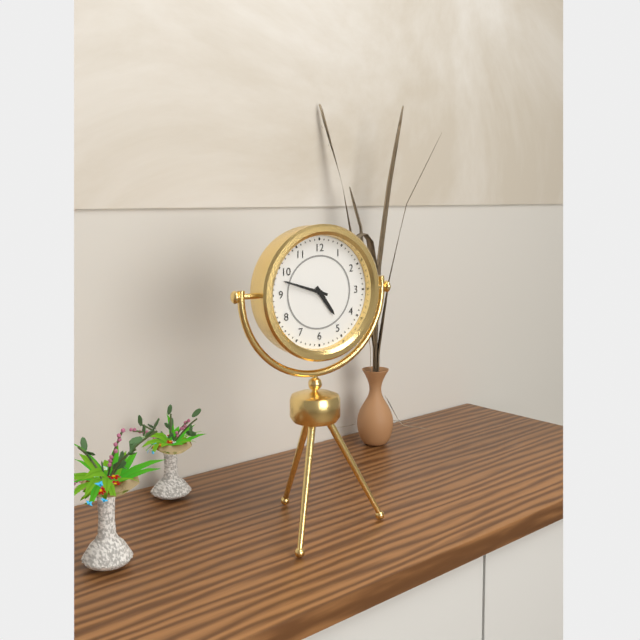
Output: 4h48
